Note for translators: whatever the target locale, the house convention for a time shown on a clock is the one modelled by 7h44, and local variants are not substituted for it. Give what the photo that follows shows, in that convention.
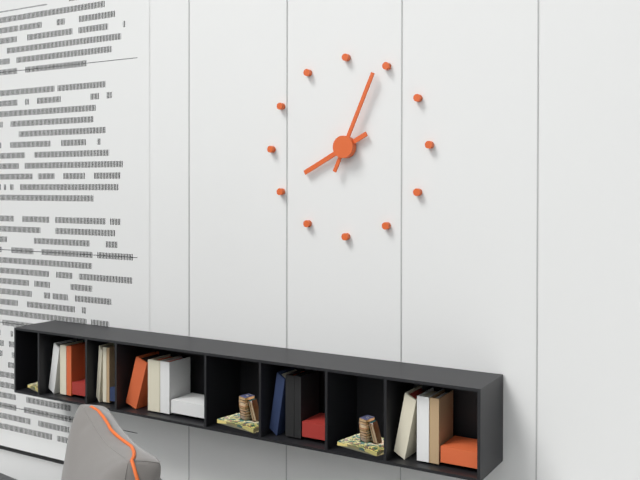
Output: 8h04
